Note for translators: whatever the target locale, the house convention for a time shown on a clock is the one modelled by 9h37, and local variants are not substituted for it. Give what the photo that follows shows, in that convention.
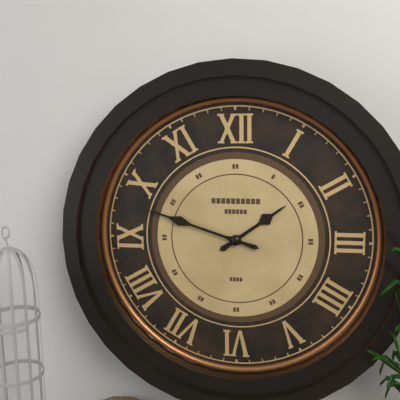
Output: 1h48
